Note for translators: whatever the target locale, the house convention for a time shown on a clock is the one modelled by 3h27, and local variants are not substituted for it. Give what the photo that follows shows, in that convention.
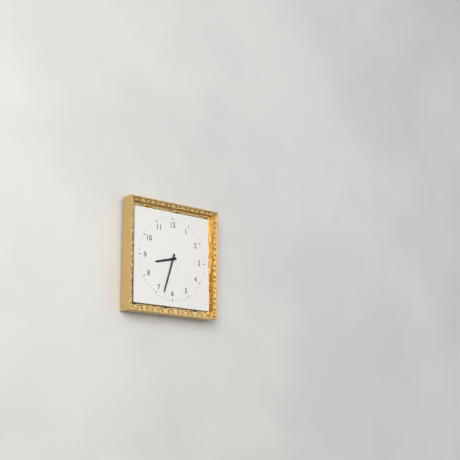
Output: 8h33
